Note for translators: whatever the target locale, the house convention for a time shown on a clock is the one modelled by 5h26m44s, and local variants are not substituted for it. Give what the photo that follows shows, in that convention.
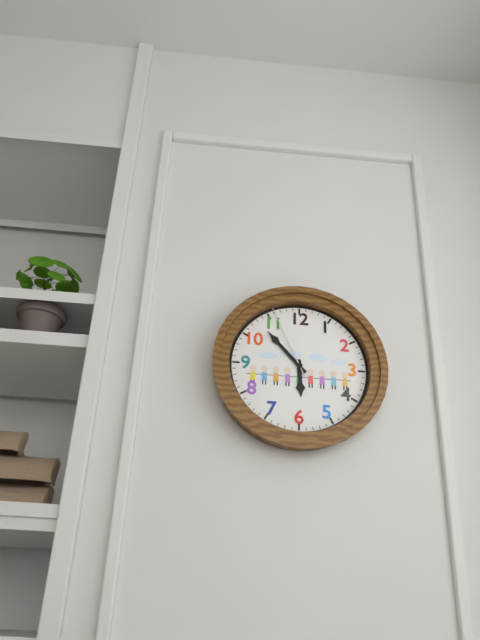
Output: 5h53m56s
